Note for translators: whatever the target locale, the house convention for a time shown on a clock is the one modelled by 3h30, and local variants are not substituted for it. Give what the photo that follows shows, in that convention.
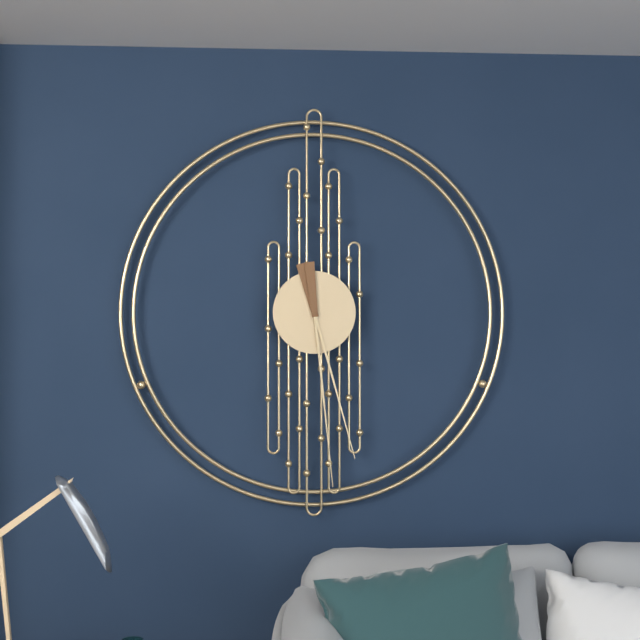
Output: 5h29
